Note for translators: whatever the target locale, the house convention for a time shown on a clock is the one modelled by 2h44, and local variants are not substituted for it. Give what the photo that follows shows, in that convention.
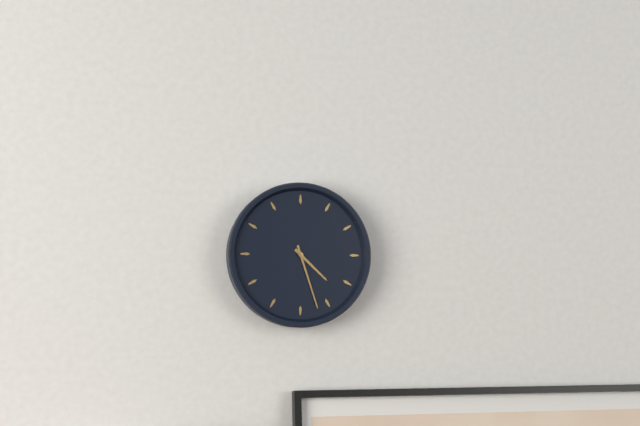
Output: 4h27
